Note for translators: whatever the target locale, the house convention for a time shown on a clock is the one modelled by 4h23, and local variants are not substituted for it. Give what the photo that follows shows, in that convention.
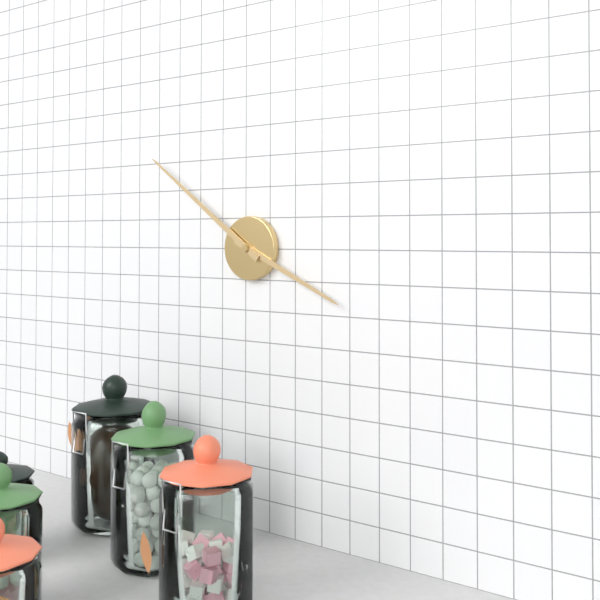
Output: 3h51
